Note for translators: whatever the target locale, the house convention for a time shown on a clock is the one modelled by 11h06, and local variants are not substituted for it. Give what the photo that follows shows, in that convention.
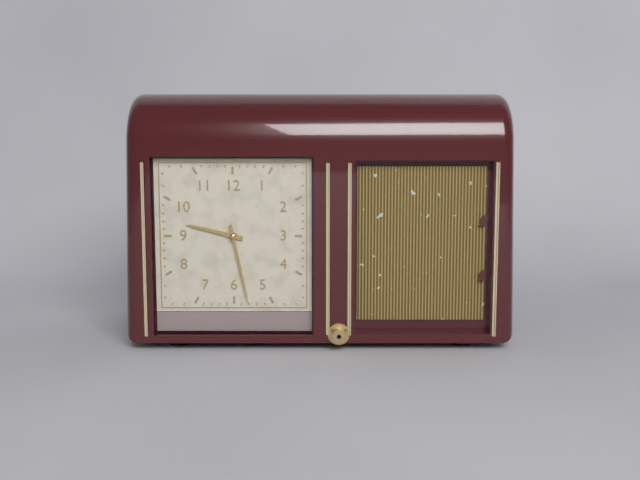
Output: 9h28
